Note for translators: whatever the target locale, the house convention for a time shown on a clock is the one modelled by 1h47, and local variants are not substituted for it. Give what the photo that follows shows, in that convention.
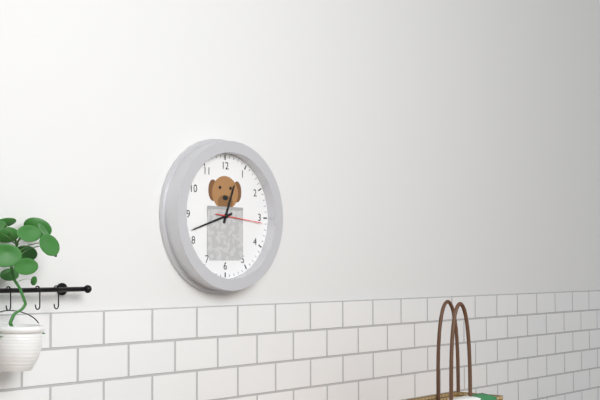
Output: 12h42
